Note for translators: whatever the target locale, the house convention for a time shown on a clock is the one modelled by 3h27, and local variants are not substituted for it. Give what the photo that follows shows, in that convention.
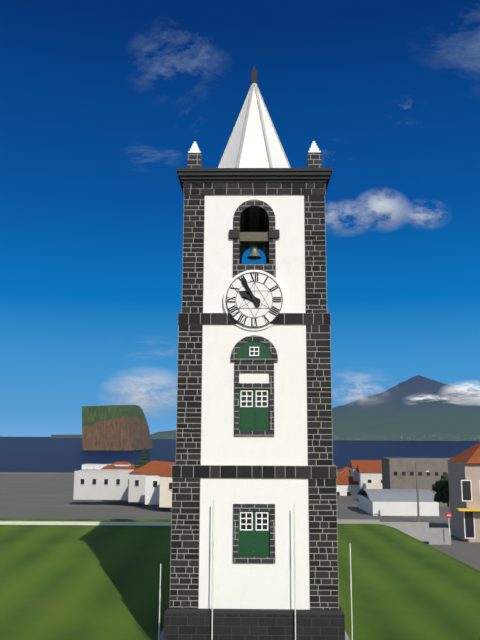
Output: 9h55
